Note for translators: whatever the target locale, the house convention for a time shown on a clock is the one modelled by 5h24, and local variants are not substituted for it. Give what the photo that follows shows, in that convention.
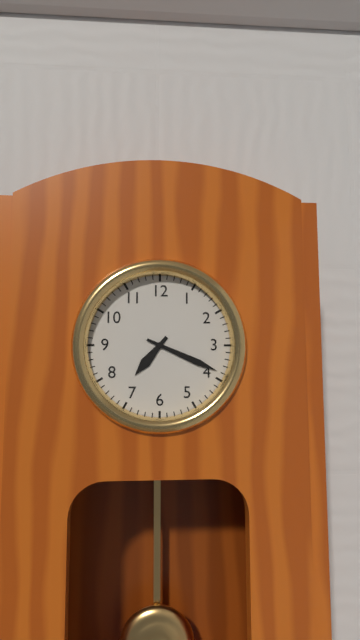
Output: 7h19
